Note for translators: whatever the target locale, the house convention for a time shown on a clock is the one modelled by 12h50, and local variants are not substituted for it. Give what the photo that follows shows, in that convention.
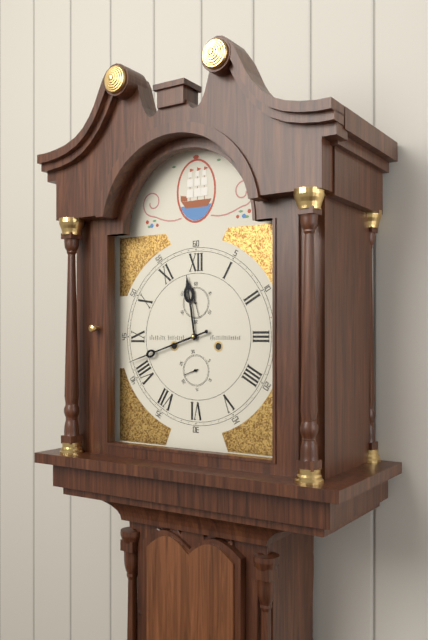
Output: 11h42
